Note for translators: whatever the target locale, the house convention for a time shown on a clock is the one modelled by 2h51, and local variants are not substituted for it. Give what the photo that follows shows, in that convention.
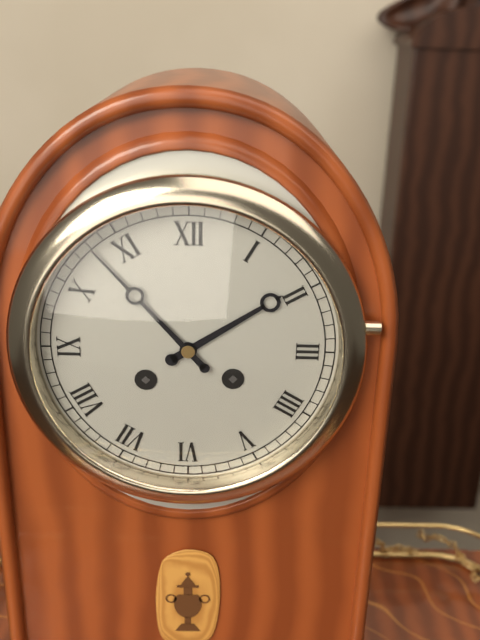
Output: 1h53
